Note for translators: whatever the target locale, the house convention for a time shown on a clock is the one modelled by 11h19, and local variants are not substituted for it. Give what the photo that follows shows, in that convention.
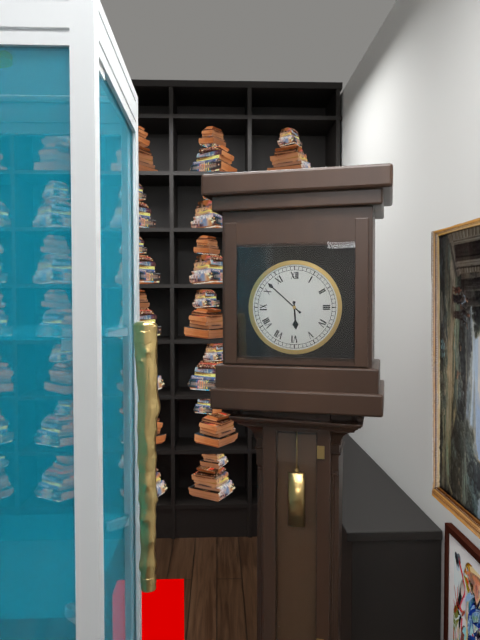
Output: 5h52
